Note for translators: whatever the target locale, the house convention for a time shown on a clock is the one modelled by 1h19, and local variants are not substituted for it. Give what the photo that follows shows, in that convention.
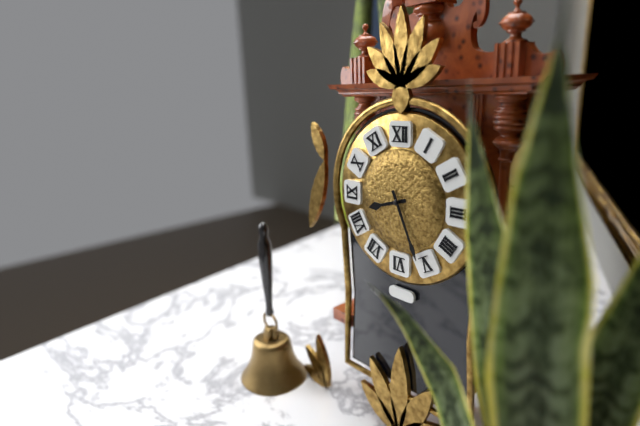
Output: 8h26
